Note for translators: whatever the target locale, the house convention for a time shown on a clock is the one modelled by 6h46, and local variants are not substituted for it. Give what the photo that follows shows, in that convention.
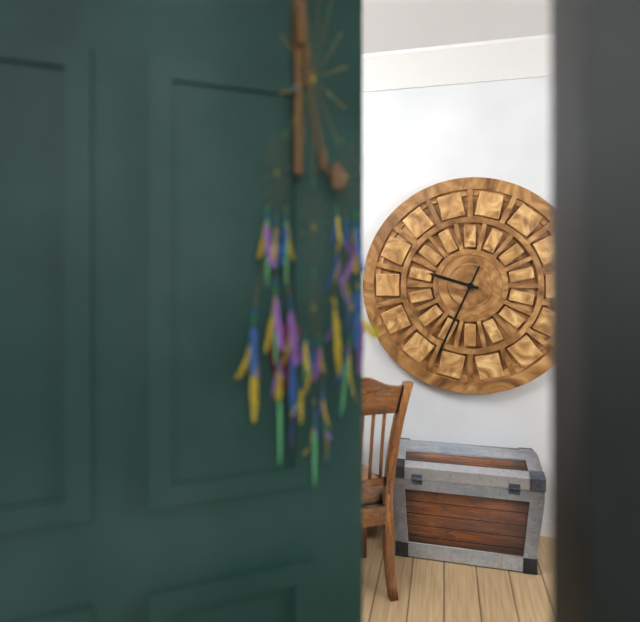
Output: 9h34
